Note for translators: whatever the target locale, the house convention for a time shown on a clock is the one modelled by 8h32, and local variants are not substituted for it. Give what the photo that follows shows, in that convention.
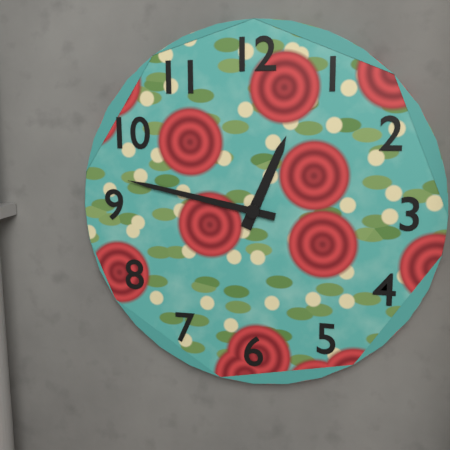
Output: 12h47
